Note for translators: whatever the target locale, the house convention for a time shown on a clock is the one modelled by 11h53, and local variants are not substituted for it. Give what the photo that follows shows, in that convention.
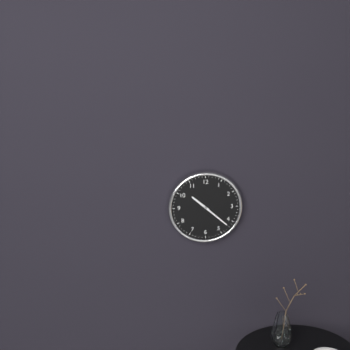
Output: 10h22
